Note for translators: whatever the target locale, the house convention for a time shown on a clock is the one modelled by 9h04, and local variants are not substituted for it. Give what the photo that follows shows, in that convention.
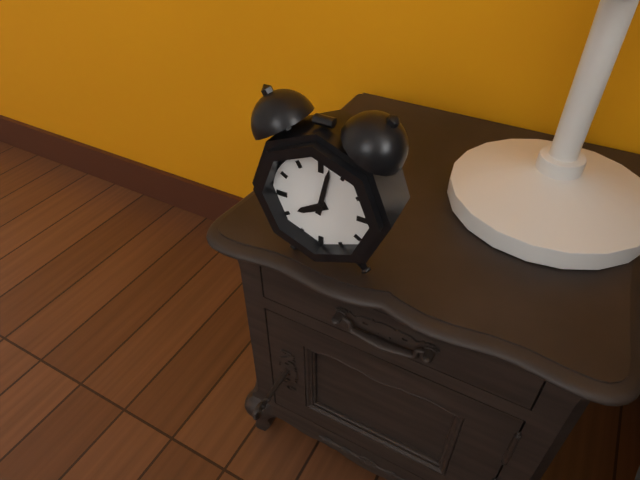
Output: 8h02
